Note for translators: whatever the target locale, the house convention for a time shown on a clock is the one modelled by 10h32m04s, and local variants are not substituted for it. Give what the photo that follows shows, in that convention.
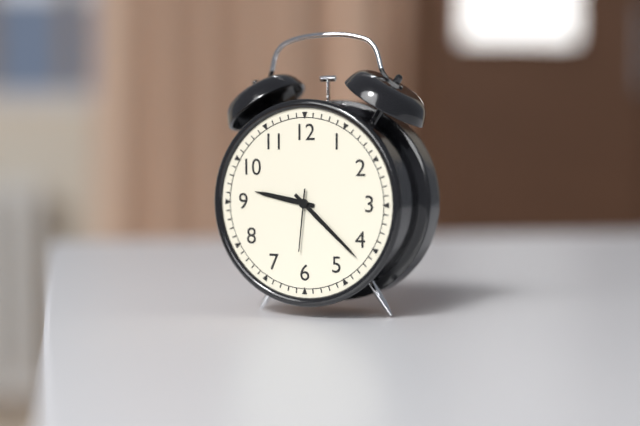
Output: 9h22m31s
